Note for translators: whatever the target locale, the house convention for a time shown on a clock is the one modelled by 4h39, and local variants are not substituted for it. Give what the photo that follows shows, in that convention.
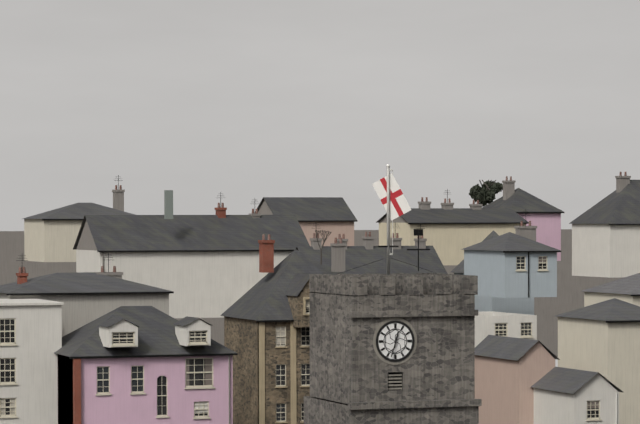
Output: 12h33
